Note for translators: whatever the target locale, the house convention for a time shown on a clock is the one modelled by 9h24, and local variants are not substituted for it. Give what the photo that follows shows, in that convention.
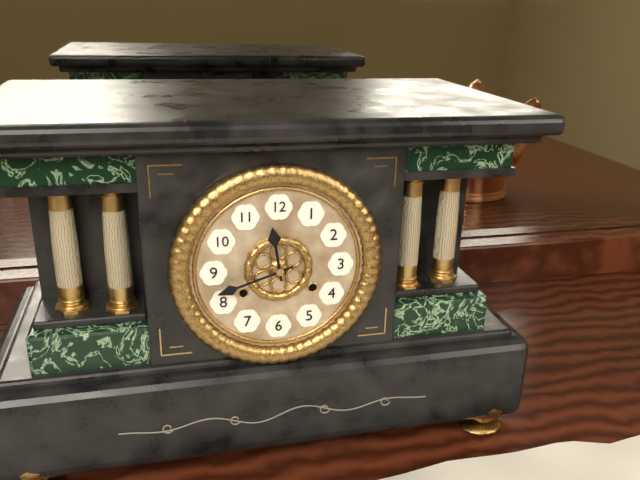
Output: 11h42
